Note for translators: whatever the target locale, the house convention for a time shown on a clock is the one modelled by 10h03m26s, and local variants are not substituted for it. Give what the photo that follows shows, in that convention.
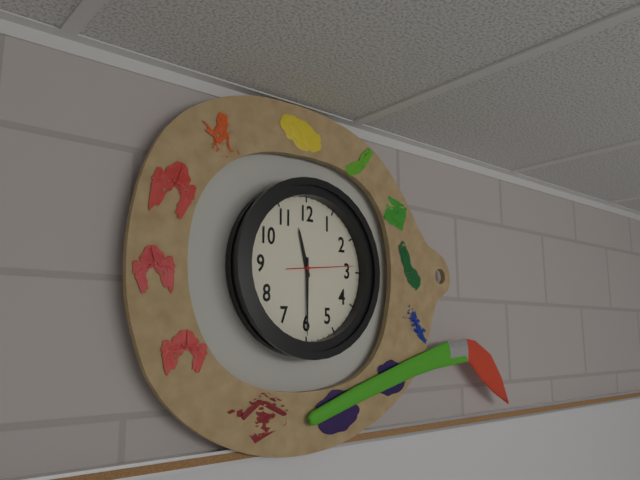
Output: 11h30m14s
